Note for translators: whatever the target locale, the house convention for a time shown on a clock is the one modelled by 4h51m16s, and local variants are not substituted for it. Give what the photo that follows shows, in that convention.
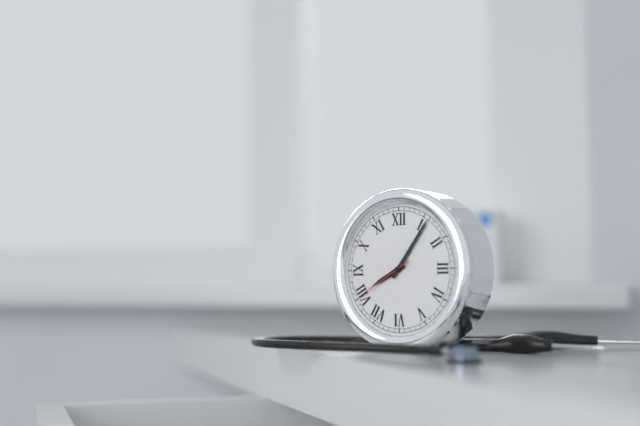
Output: 8h06m40s
